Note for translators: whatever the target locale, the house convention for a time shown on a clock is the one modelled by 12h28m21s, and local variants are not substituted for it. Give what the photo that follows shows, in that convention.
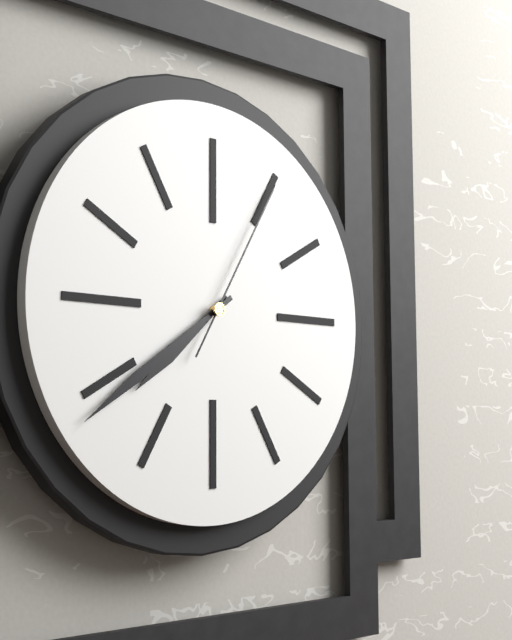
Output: 7h39m05s
